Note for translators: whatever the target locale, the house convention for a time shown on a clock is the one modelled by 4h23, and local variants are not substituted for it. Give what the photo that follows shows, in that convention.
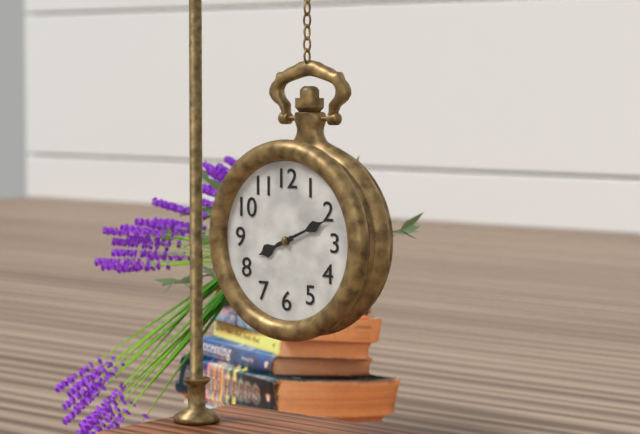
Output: 8h11
